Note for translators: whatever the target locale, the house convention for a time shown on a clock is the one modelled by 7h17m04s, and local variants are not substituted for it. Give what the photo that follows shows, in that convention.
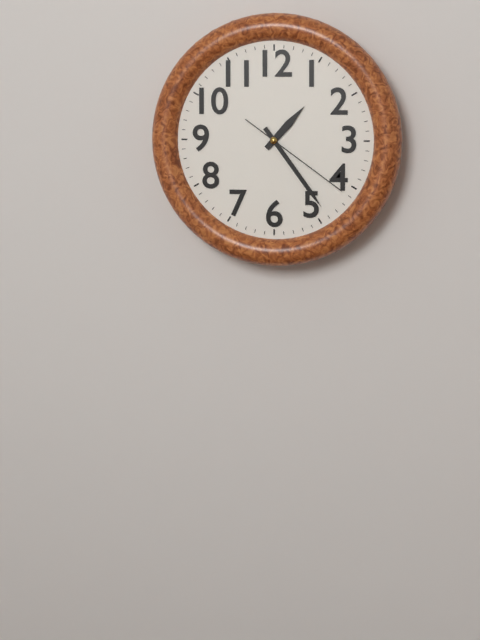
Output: 1h24m21s
